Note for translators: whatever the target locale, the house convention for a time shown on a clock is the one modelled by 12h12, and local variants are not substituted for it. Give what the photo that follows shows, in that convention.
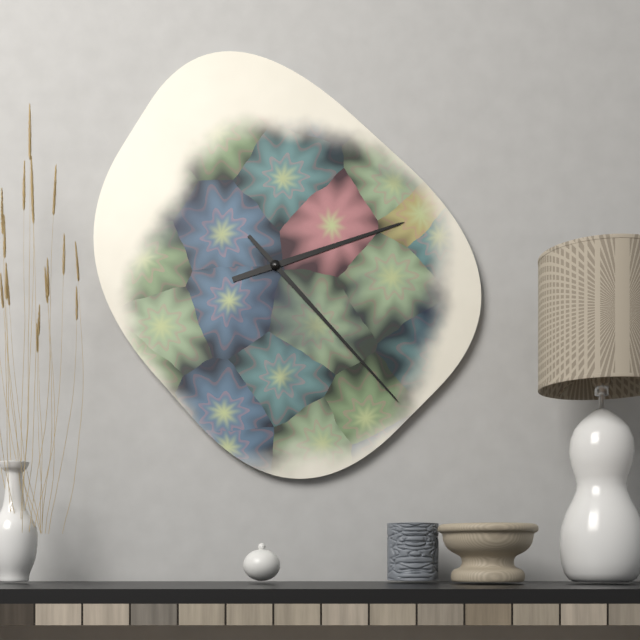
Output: 2h23
